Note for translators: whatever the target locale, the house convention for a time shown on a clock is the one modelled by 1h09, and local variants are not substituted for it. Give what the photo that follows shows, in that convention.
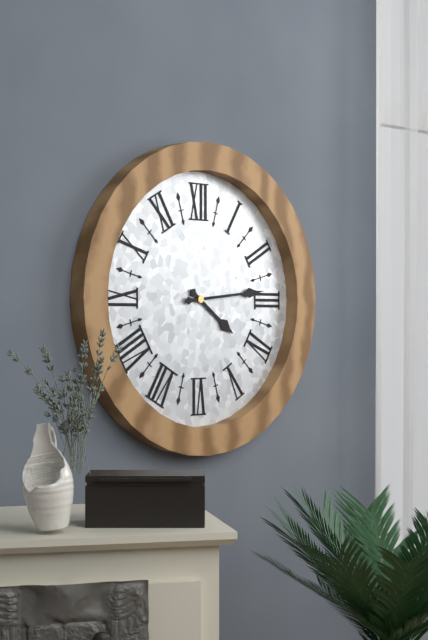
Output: 4h14
